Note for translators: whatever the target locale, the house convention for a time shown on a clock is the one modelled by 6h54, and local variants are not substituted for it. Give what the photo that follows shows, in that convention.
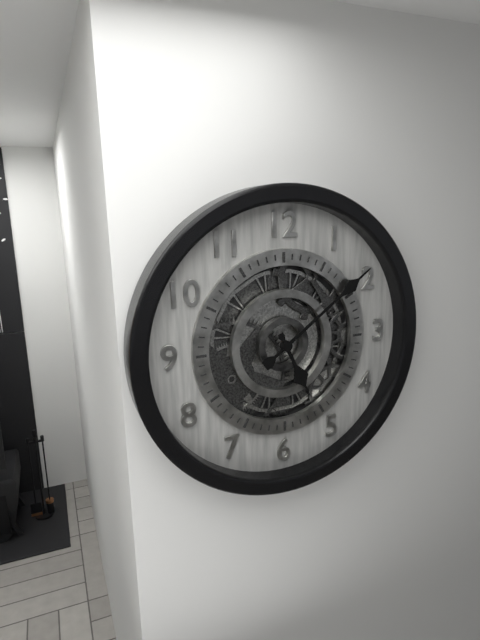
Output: 5h09
